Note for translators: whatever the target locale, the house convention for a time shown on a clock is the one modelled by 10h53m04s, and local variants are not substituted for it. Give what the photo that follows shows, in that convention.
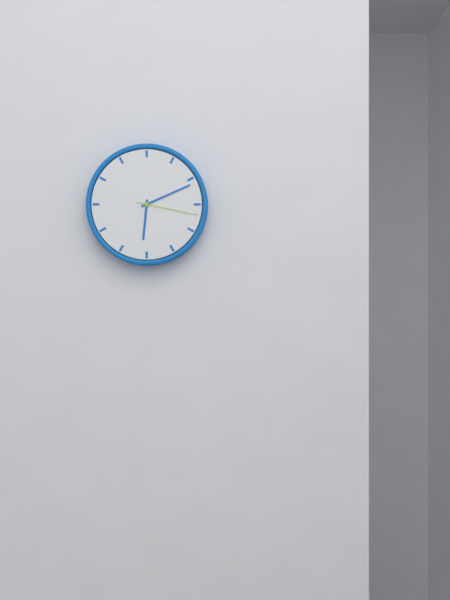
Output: 6h11m17s
